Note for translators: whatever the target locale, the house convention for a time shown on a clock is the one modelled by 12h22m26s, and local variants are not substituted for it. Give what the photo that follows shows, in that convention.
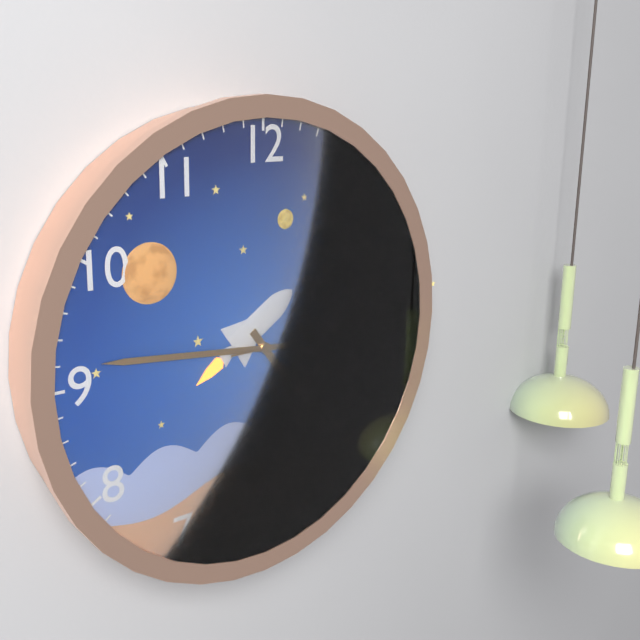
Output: 4h46m15s
